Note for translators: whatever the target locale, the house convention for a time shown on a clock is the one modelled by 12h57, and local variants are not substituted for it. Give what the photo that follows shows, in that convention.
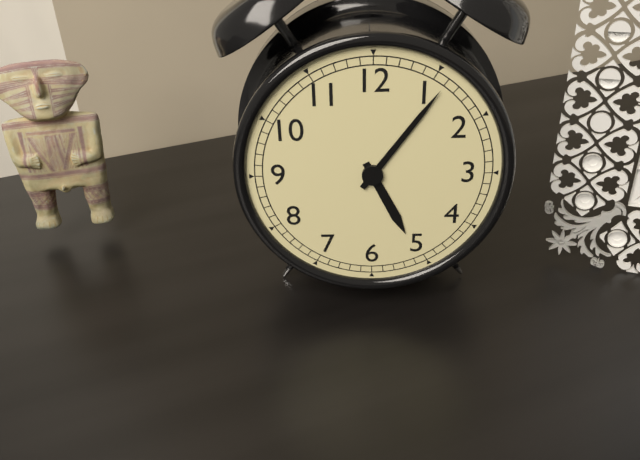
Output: 5h06
